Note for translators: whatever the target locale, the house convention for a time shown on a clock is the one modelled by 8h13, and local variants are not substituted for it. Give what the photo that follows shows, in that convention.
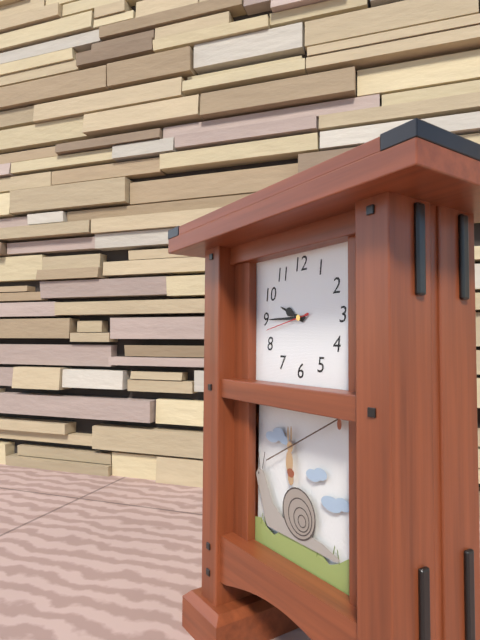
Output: 9h45
